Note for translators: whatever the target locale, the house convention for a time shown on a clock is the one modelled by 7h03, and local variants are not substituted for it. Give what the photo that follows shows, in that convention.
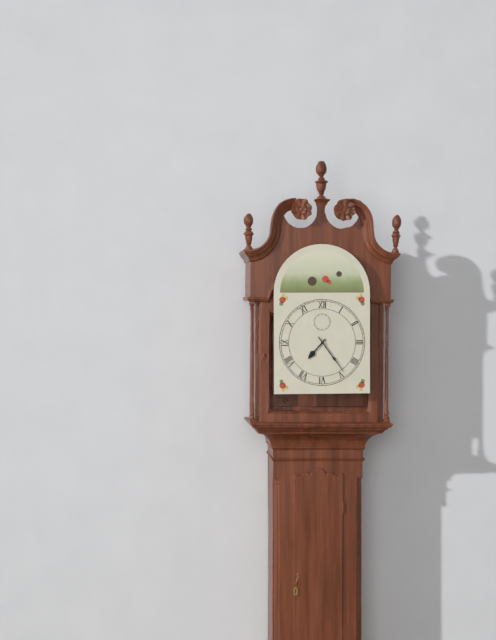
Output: 7h24
